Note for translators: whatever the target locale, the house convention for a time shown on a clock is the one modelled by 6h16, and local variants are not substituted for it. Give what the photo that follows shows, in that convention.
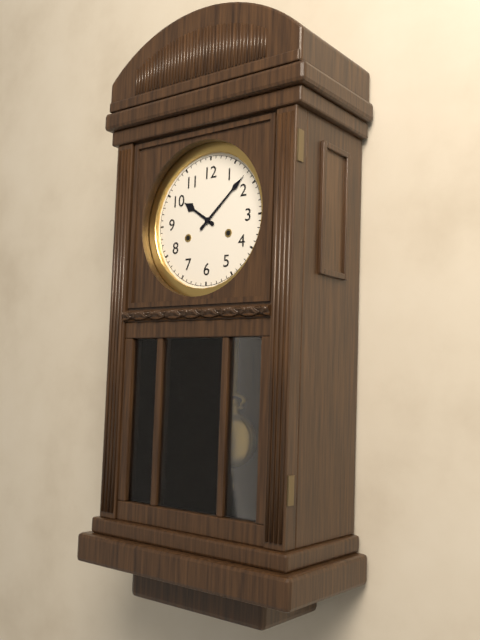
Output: 10h08
